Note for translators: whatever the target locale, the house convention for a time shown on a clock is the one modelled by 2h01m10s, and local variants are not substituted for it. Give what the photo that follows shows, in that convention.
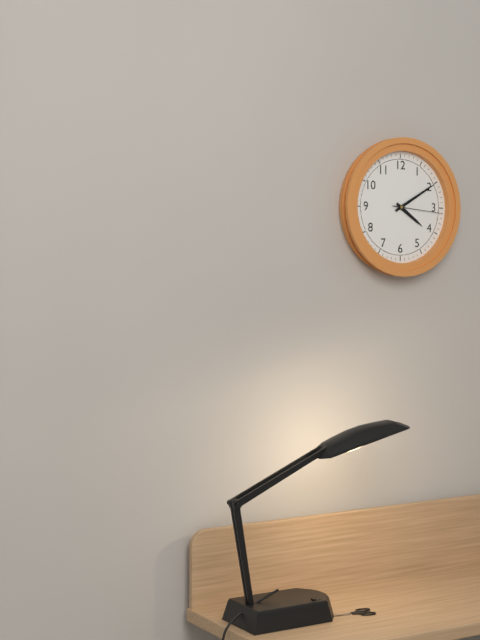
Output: 4h10m16s
